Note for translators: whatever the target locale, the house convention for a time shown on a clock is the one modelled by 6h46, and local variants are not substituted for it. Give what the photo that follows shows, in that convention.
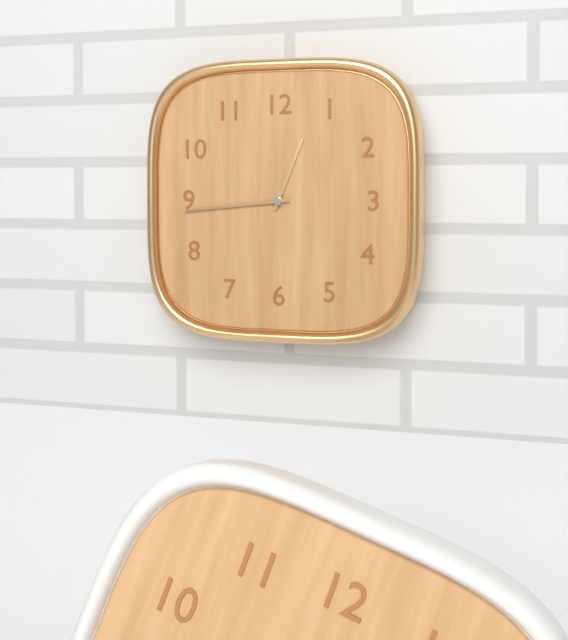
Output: 12h44
